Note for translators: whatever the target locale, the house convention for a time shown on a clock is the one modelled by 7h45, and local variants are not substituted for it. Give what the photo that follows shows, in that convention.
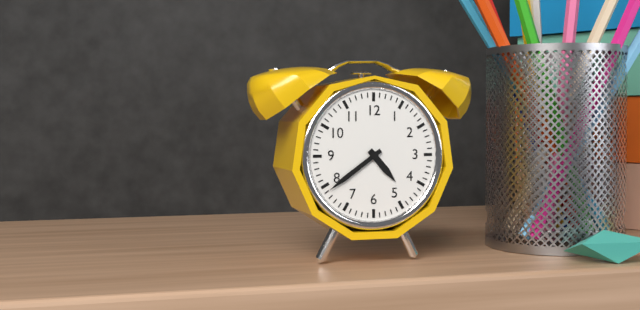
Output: 4h39
